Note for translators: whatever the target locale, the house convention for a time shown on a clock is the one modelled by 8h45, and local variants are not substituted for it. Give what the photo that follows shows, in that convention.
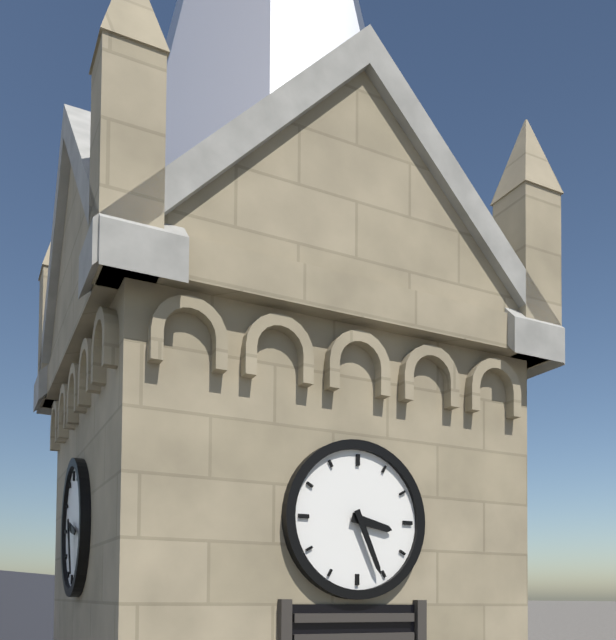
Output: 3h26
